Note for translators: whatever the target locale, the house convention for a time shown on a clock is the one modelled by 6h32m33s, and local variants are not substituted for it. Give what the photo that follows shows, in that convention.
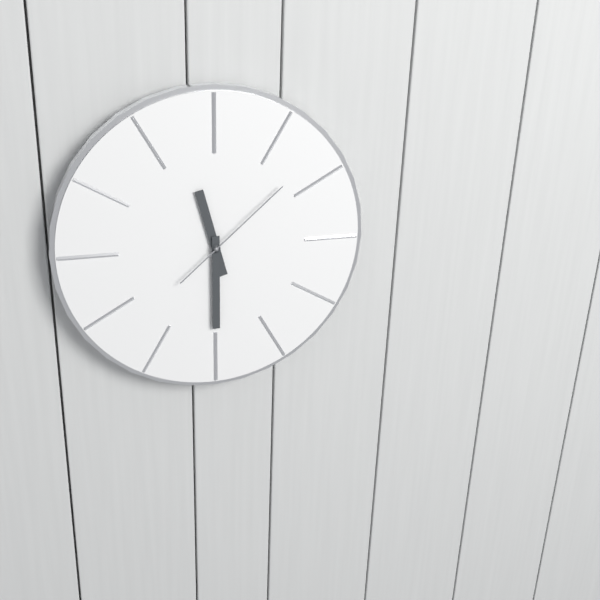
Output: 11h30m08s
